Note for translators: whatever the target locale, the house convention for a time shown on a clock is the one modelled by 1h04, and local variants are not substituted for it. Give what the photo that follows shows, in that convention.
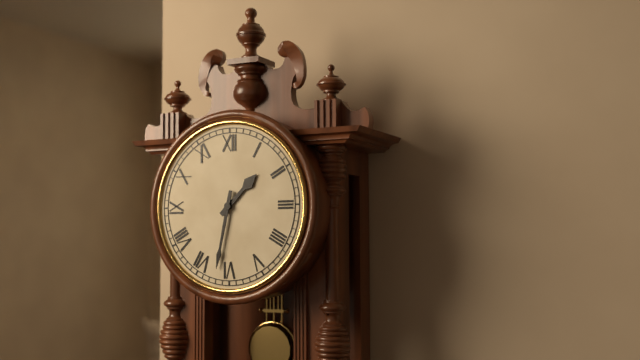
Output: 1h32
